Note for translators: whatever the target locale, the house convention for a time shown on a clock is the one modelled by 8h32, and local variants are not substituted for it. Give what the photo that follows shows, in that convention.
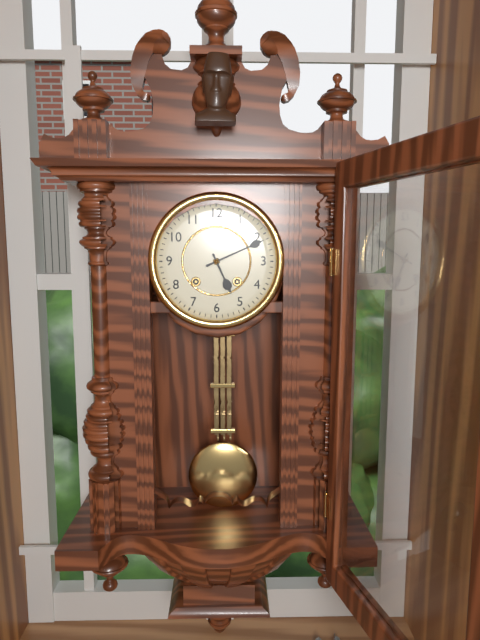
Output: 5h11
